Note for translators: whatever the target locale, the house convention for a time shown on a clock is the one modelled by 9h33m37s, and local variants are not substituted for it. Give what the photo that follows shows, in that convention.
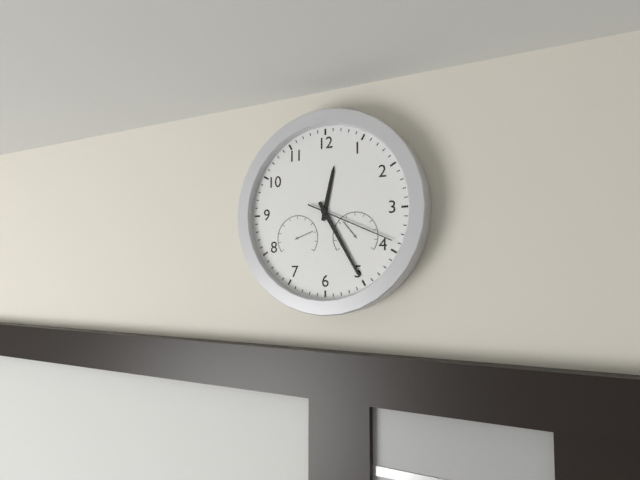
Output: 12h25m19s
